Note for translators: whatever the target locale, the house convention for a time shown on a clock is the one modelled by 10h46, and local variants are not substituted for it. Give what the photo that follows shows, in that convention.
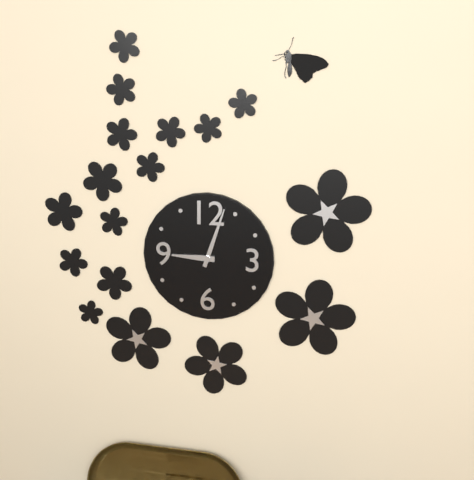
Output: 9h03
